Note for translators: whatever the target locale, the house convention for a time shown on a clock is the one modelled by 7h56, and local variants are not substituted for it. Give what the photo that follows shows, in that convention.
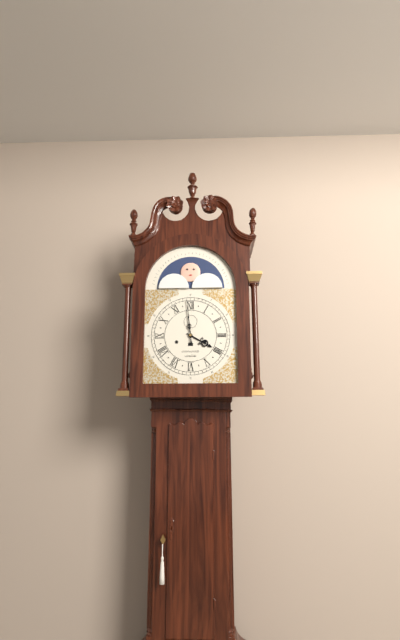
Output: 3h59
